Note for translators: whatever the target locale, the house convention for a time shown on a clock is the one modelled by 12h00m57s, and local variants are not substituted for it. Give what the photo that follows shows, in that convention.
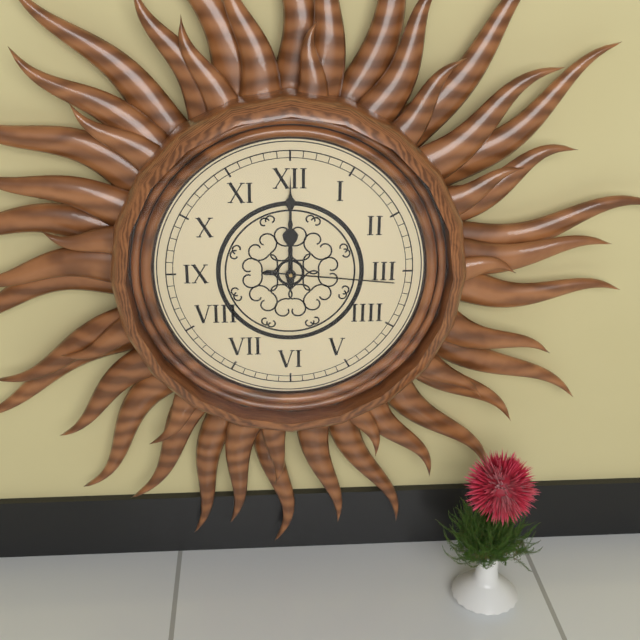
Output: 12h00m16s
